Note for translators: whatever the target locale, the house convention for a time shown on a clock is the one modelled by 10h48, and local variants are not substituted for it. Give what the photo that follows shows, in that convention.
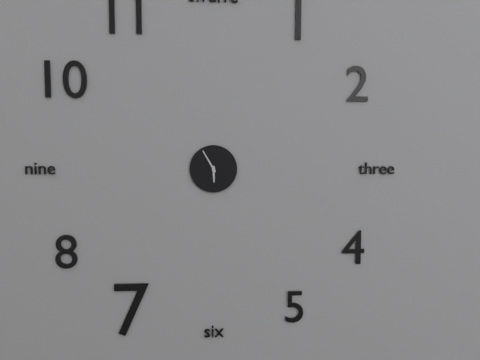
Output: 5h55
